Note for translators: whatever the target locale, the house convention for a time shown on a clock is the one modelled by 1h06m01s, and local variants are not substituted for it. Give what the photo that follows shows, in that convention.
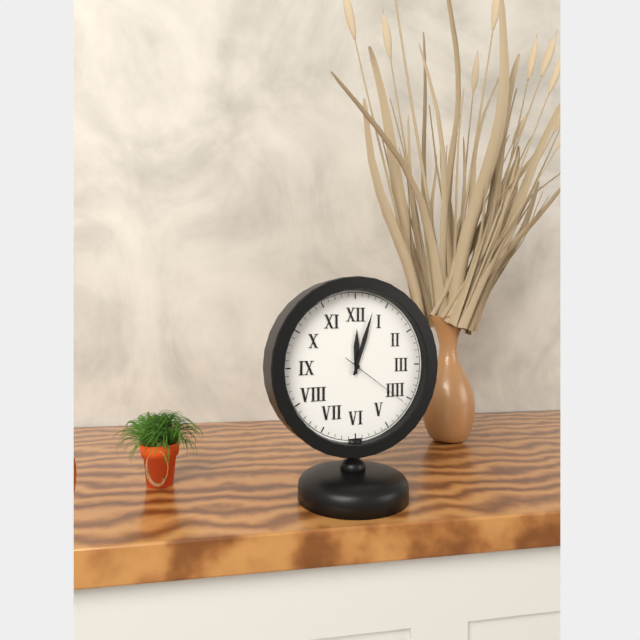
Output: 12h03m21s
